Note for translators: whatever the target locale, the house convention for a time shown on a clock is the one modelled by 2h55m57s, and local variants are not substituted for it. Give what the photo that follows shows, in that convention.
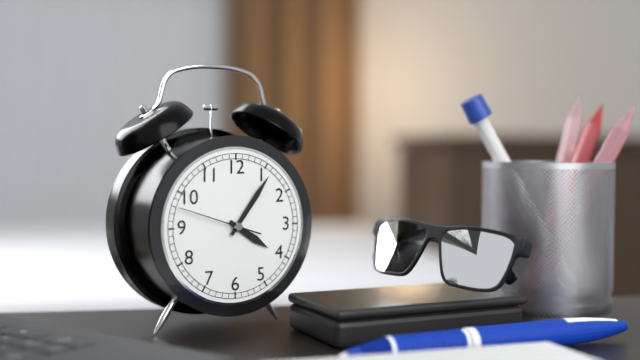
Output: 4h06m48s
